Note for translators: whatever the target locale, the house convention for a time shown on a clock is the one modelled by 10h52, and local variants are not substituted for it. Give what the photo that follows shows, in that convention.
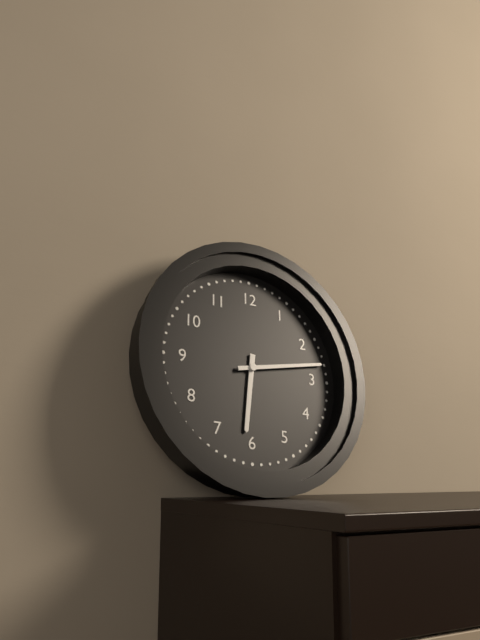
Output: 6h13
